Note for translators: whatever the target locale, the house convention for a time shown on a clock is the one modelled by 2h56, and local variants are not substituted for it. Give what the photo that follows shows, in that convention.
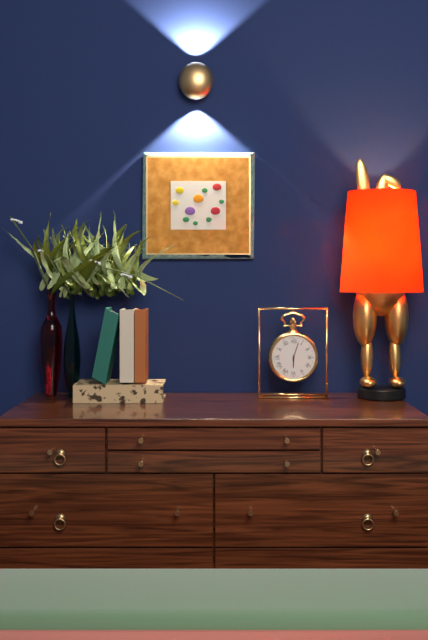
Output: 6h03
